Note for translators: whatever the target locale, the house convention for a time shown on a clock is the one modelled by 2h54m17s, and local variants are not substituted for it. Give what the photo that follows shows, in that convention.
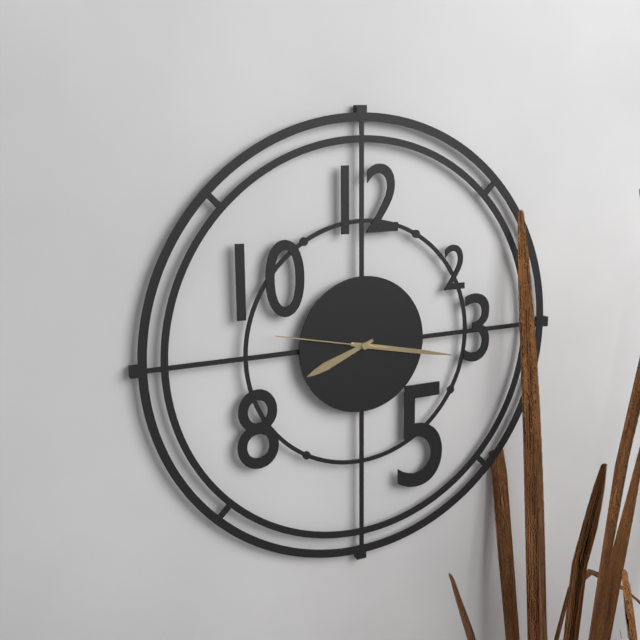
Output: 8h17m47s
